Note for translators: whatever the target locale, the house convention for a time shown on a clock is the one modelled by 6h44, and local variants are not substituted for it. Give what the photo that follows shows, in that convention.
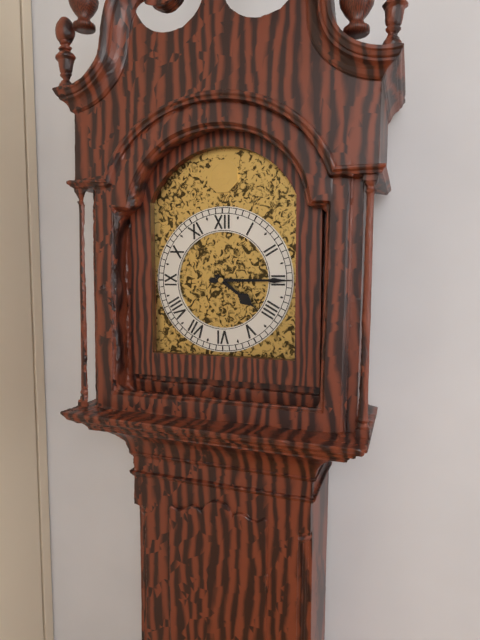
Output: 4h15
